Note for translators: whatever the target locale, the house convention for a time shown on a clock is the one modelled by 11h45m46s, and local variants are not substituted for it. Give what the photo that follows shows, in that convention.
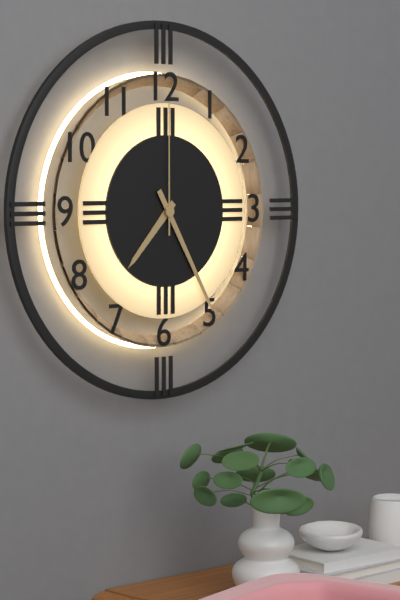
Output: 7h25m00s
